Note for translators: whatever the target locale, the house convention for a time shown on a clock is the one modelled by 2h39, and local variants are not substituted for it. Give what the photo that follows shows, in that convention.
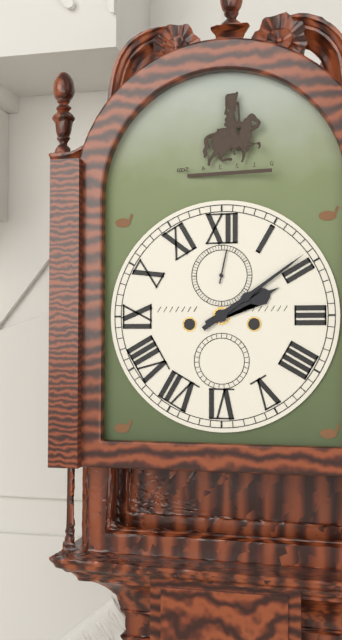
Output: 2h09
